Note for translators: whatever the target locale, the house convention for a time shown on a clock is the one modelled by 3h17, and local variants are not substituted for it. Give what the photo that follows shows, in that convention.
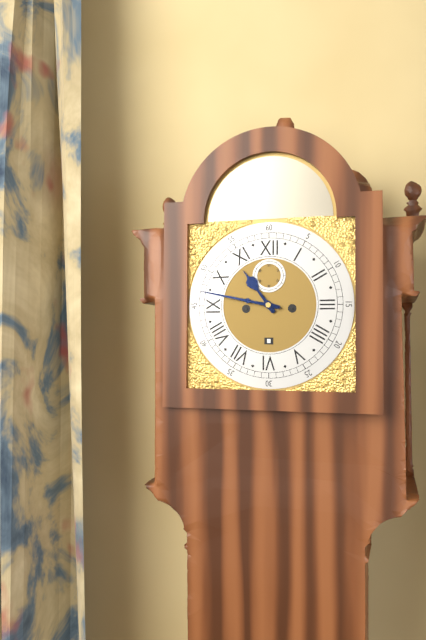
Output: 10h47
